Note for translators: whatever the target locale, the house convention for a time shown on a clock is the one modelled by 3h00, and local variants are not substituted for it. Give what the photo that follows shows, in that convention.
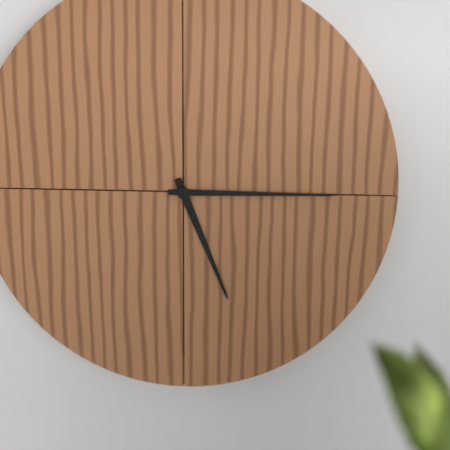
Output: 5h15
